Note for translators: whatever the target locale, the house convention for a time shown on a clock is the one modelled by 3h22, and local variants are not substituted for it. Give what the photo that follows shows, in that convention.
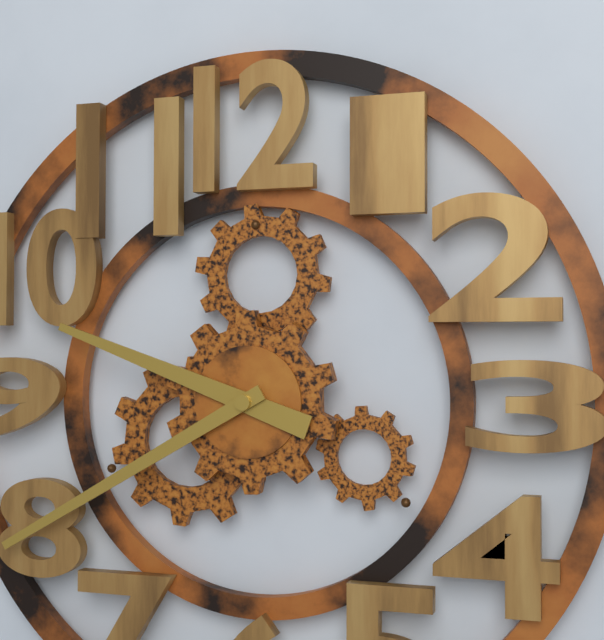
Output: 9h40
